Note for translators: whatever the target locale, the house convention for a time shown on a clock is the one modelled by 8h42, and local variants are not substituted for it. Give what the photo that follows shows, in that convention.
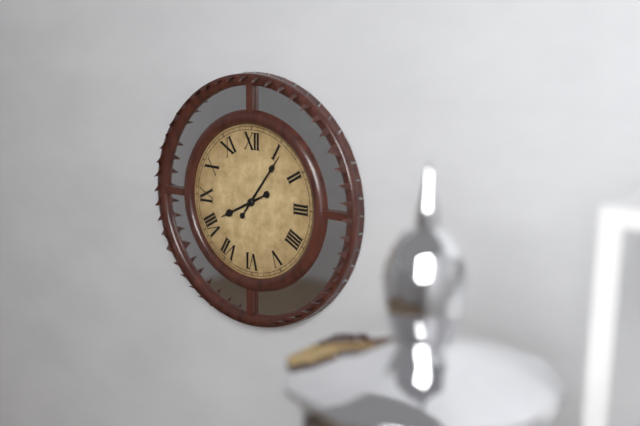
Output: 8h06
